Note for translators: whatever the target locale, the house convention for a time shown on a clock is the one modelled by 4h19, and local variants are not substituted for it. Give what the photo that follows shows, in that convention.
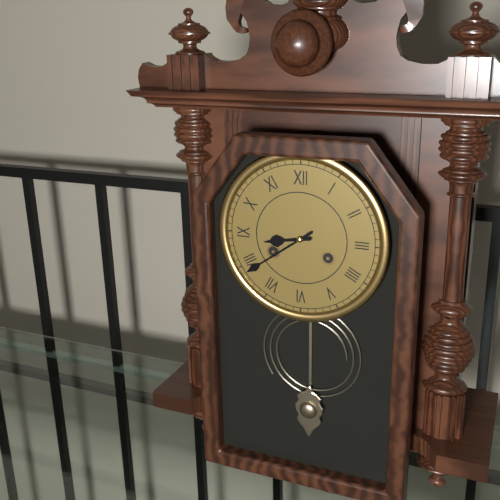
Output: 8h39
